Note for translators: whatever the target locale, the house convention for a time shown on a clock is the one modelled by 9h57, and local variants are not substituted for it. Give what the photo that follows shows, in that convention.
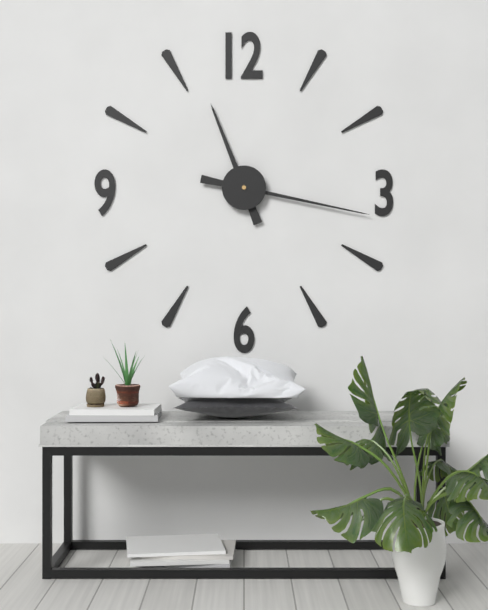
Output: 11h17
